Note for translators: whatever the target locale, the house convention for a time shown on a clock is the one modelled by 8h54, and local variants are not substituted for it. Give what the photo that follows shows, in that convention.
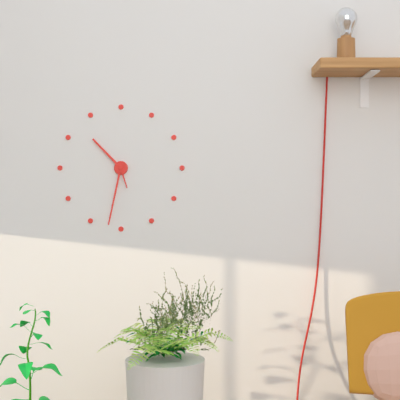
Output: 10h32
